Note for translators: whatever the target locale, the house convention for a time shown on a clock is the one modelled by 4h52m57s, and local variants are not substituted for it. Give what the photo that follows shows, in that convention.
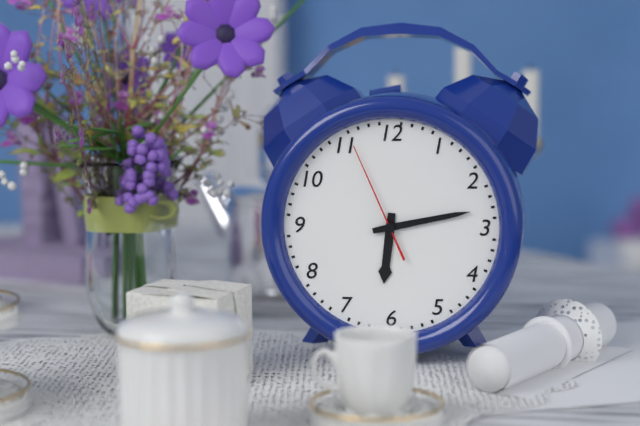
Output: 6h13m56s
